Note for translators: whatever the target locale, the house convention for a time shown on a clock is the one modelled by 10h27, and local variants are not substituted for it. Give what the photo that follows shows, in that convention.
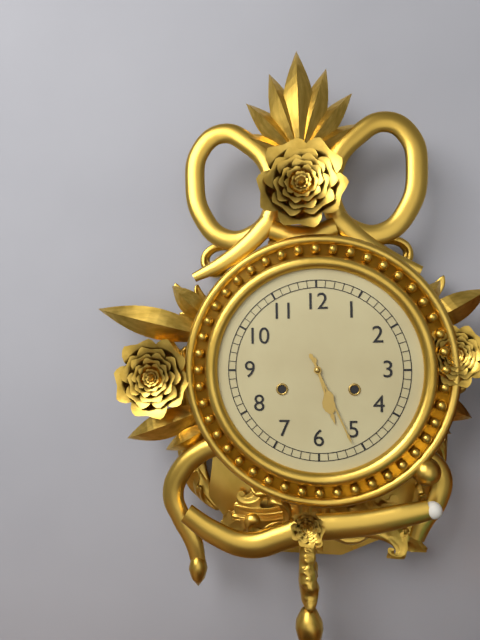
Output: 5h26
